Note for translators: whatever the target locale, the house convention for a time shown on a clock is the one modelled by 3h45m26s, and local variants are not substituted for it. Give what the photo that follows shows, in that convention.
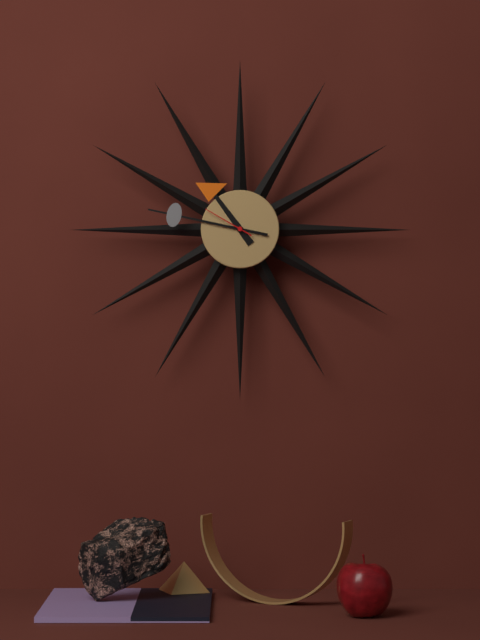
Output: 10h47m50s
